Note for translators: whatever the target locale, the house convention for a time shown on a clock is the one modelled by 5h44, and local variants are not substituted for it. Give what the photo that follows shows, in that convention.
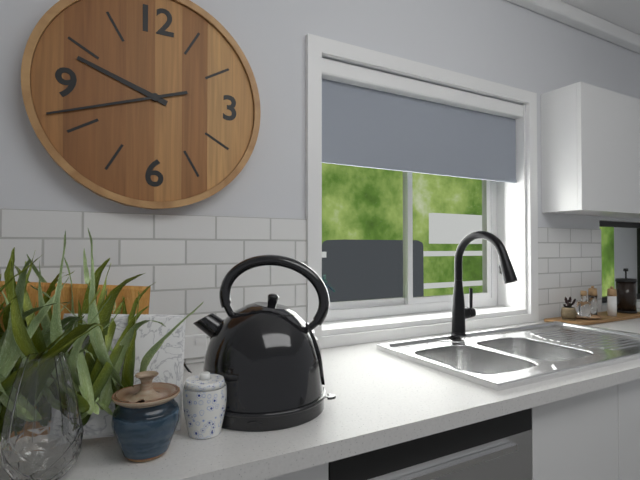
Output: 9h42
